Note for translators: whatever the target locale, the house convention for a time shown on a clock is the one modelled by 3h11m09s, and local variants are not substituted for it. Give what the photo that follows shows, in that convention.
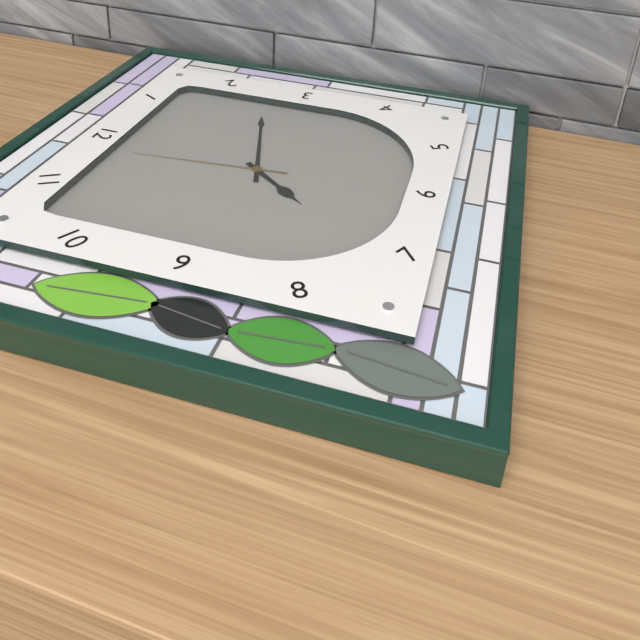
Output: 7h12m59s
